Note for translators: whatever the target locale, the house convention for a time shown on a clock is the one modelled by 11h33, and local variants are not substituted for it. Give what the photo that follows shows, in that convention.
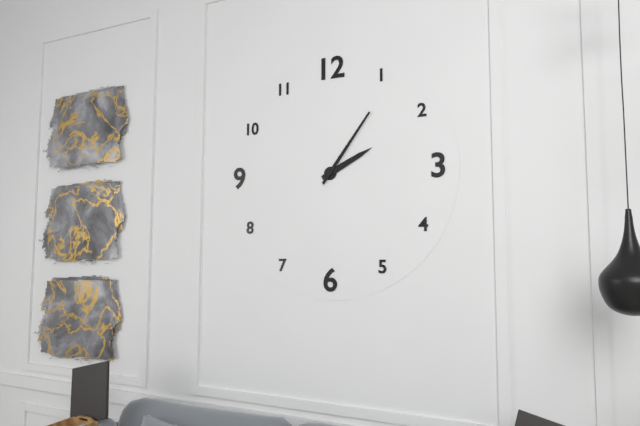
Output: 2h06
